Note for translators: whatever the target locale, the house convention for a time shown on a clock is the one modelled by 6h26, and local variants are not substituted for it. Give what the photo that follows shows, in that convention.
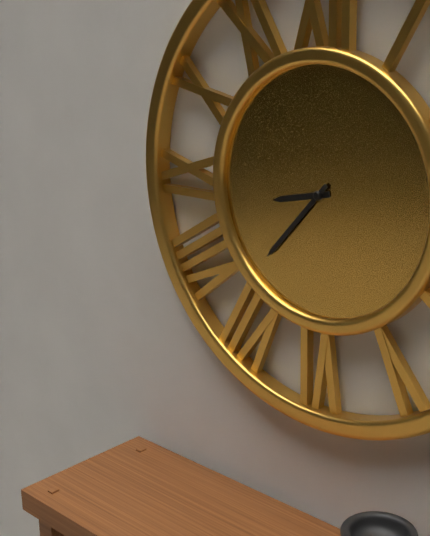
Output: 8h37
